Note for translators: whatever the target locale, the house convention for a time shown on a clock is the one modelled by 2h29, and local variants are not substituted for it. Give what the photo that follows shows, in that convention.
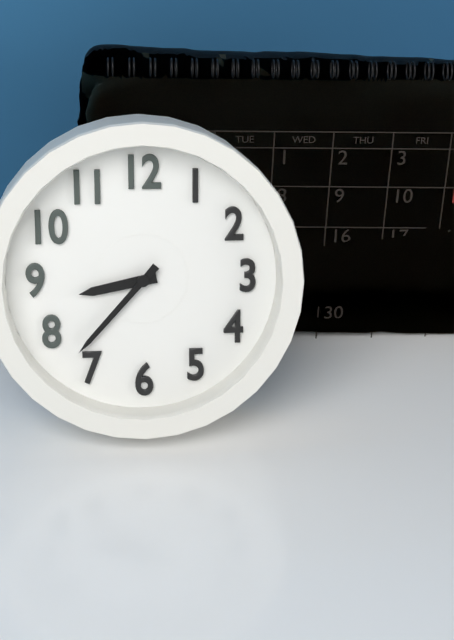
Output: 8h37
